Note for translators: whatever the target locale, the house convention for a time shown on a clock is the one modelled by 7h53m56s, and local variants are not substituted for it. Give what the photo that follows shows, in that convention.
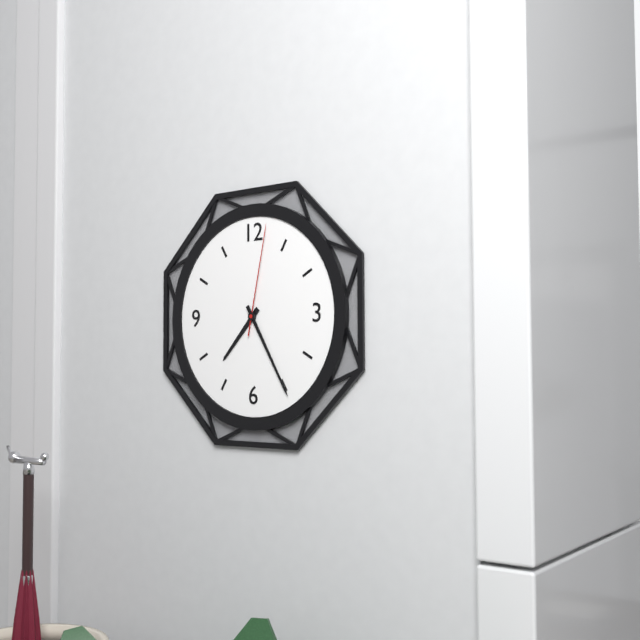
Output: 7h25m02s
